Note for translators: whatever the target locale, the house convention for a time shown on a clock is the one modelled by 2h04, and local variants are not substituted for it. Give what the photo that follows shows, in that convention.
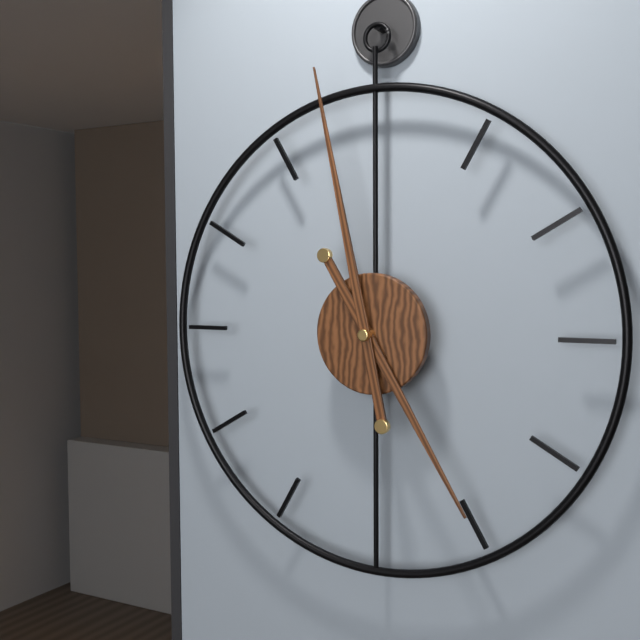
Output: 4h58
